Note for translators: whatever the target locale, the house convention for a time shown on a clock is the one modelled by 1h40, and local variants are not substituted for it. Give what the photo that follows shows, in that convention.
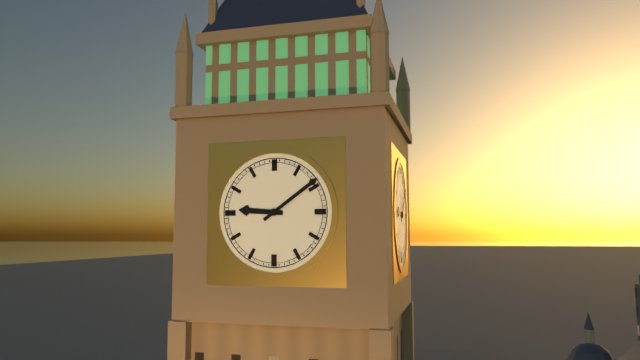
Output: 9h09
